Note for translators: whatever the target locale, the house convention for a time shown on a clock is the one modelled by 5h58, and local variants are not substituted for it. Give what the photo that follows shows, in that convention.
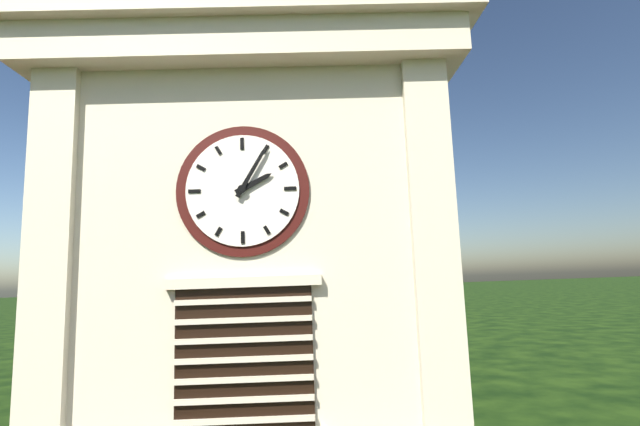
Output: 2h05
